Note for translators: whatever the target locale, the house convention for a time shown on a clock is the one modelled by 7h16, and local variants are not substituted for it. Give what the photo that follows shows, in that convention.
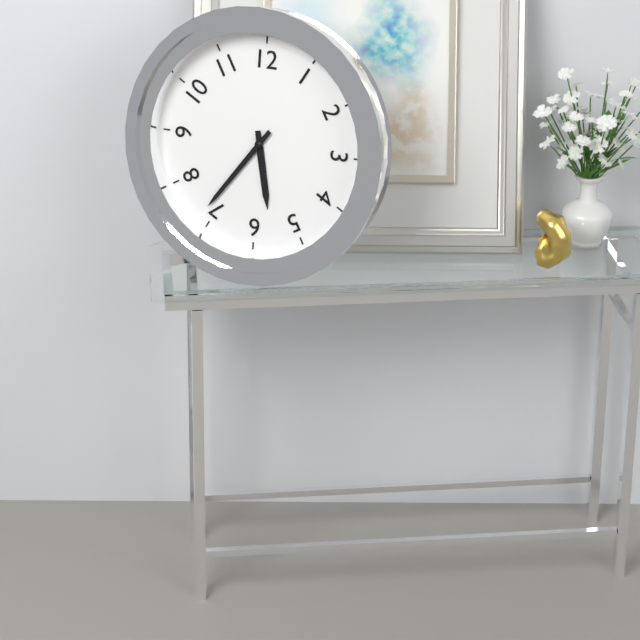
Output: 5h36
